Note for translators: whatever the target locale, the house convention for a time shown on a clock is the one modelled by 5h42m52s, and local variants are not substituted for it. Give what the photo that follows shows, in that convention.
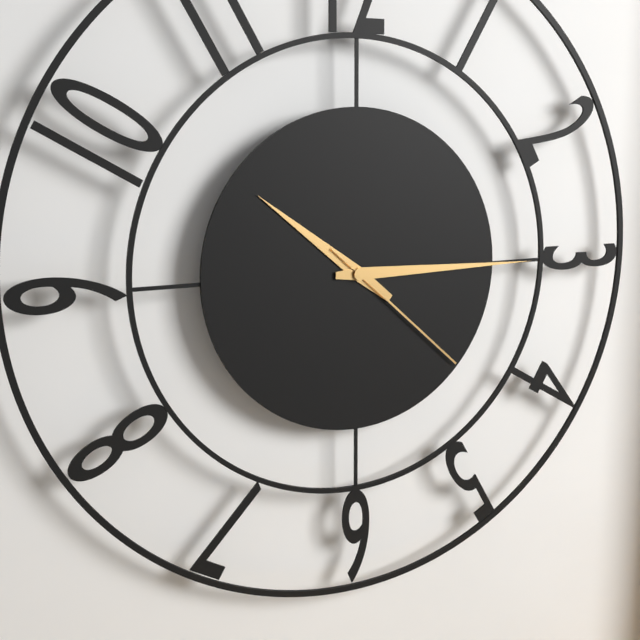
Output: 10h15m22s
